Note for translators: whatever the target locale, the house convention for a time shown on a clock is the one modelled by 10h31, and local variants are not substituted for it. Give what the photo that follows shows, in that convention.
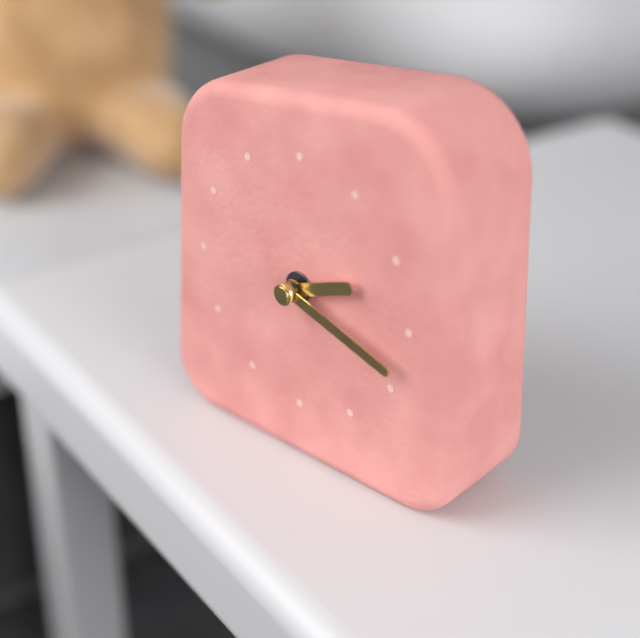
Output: 2h18
